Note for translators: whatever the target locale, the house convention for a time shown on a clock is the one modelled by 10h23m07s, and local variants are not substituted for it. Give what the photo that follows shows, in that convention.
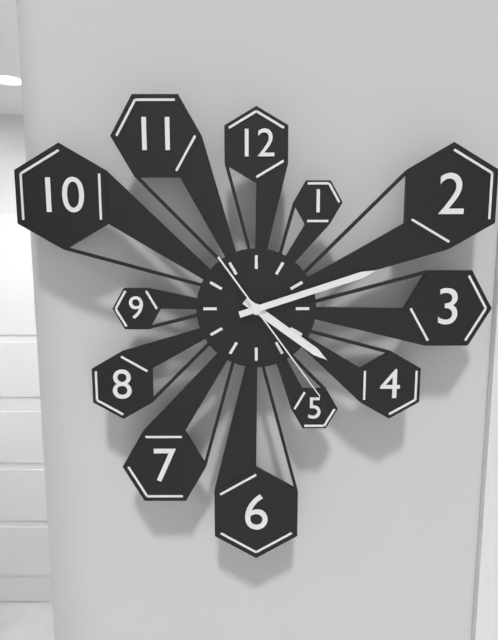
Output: 4h12m24s
